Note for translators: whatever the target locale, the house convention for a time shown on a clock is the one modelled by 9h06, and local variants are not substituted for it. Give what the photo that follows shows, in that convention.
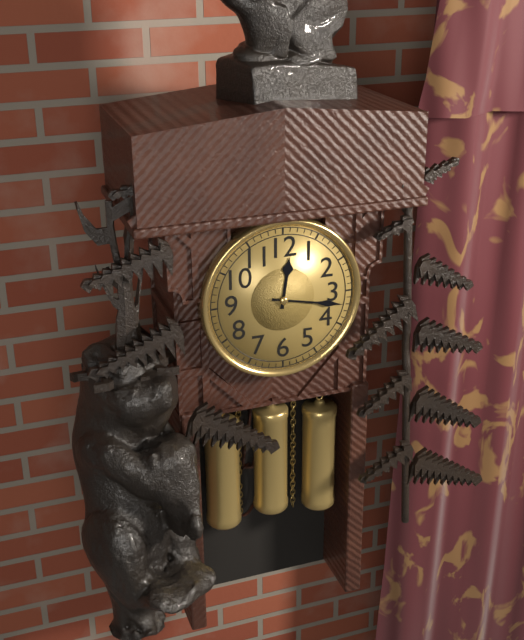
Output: 12h17
